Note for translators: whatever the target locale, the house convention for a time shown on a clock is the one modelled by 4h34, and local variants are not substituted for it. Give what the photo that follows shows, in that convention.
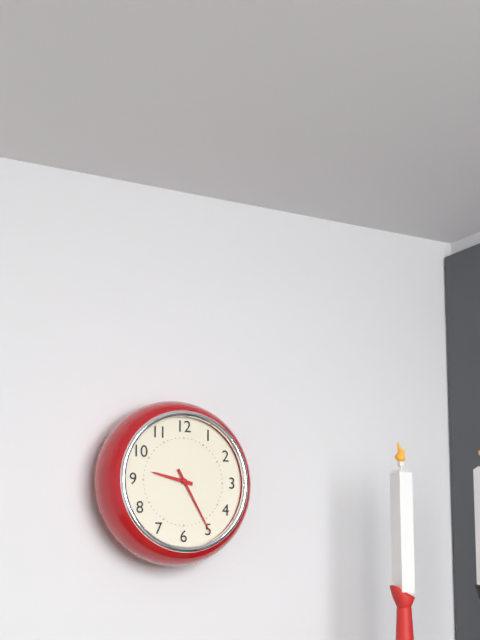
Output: 9h25
